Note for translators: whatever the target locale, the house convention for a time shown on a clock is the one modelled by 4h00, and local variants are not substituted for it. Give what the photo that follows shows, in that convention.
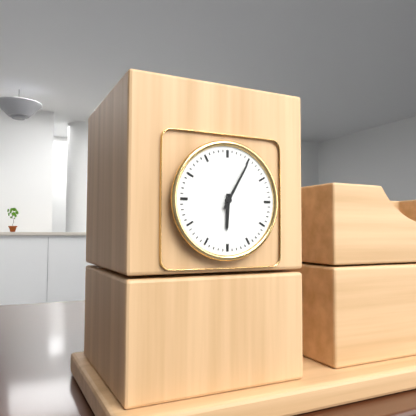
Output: 6h05
